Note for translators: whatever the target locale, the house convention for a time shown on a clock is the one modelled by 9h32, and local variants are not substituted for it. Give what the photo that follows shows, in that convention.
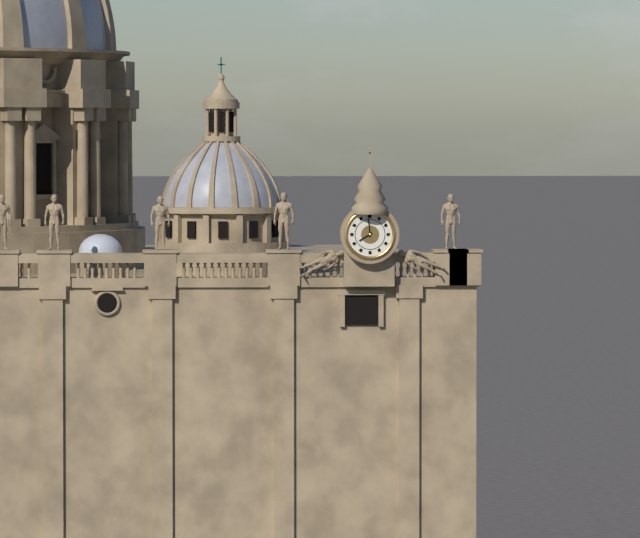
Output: 7h59
